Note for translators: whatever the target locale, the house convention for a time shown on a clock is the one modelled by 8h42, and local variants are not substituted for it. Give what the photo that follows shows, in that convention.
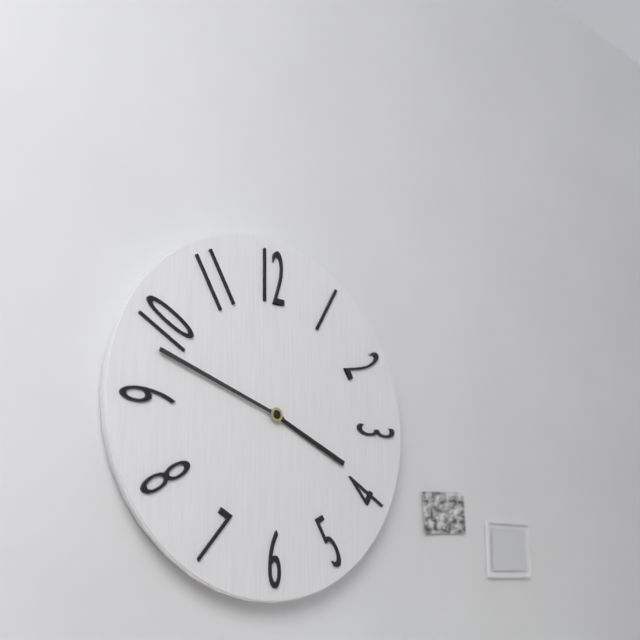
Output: 3h48
